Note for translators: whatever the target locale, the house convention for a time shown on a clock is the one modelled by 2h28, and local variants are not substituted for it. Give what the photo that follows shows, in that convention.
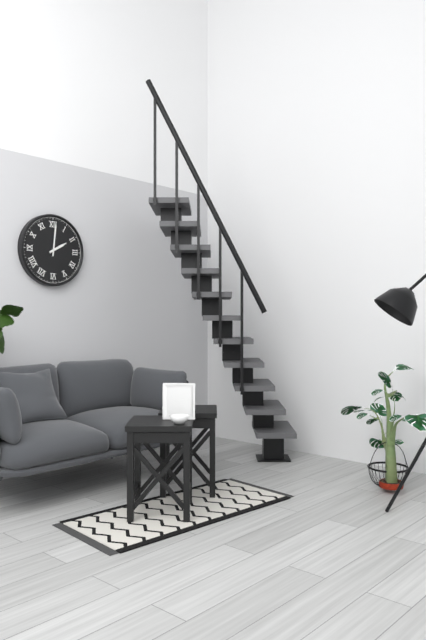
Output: 2h01
